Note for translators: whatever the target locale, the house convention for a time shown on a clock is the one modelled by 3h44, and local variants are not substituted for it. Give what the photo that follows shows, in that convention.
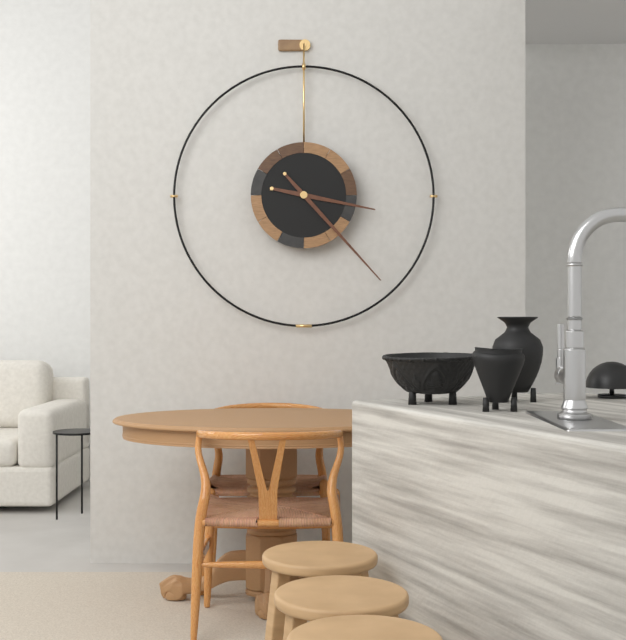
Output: 3h23
